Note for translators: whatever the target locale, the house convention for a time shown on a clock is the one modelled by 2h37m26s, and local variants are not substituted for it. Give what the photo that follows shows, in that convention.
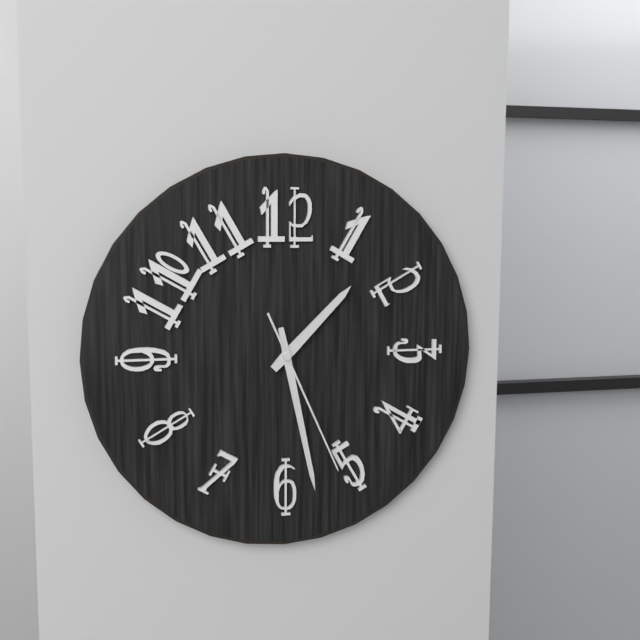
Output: 1h28m26s
